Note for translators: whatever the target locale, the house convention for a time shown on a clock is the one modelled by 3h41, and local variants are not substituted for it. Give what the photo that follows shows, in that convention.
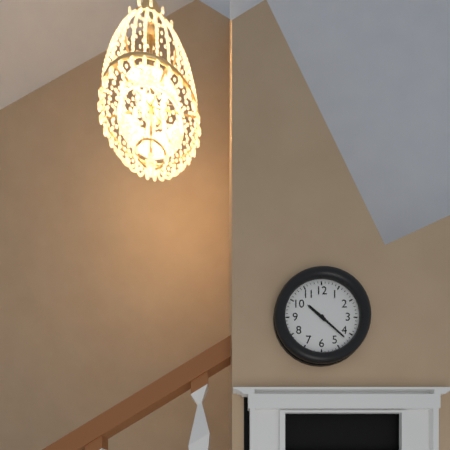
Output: 10h22
